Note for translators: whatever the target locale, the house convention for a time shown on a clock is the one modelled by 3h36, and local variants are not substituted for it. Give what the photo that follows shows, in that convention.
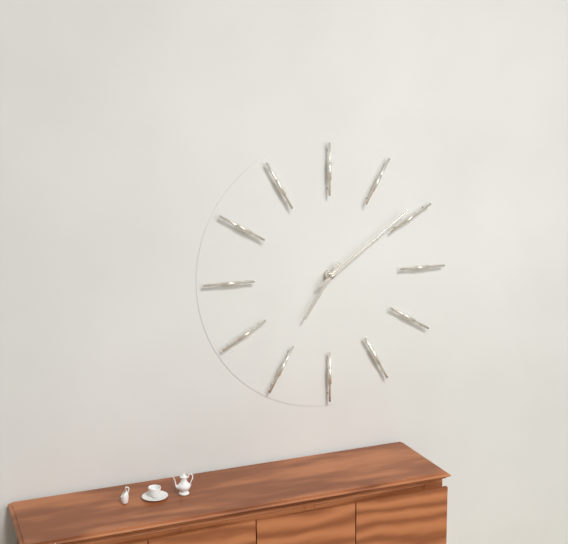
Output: 7h09
